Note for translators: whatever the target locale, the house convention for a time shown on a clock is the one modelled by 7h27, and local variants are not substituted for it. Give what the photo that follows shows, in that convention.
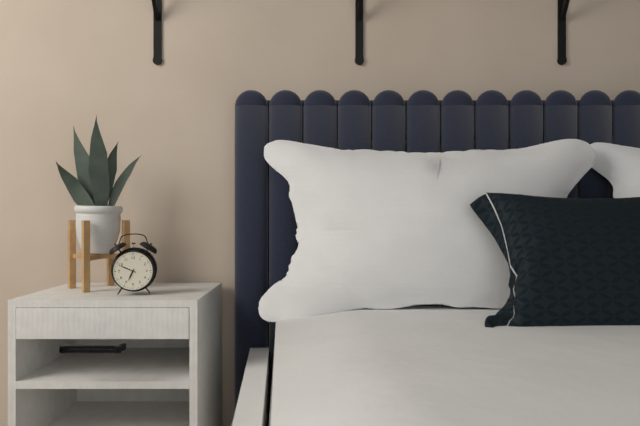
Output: 6h49
